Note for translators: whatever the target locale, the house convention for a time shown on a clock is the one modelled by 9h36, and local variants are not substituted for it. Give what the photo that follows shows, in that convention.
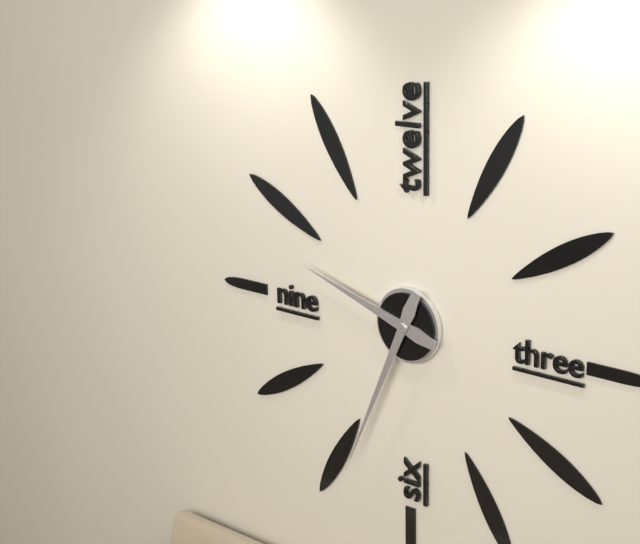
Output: 9h34
